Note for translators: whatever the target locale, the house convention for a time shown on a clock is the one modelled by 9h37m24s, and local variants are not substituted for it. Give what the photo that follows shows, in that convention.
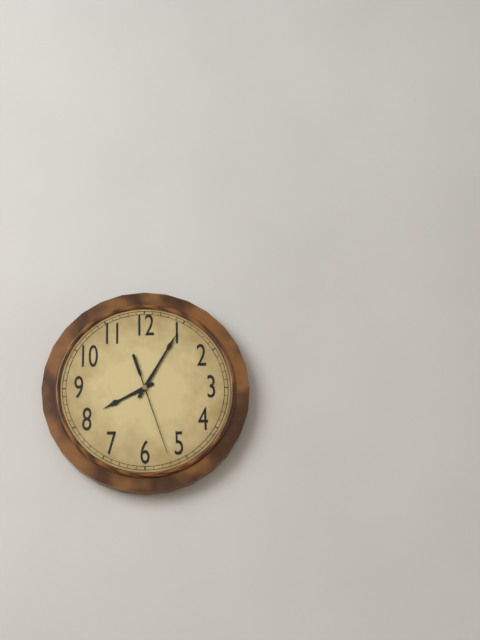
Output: 8h05m27s
